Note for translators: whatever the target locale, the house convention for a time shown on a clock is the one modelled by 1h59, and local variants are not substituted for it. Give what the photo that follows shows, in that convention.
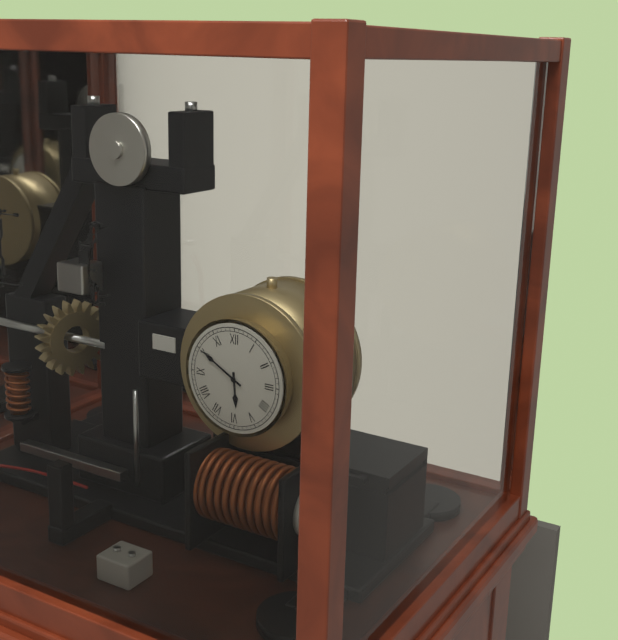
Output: 5h50
